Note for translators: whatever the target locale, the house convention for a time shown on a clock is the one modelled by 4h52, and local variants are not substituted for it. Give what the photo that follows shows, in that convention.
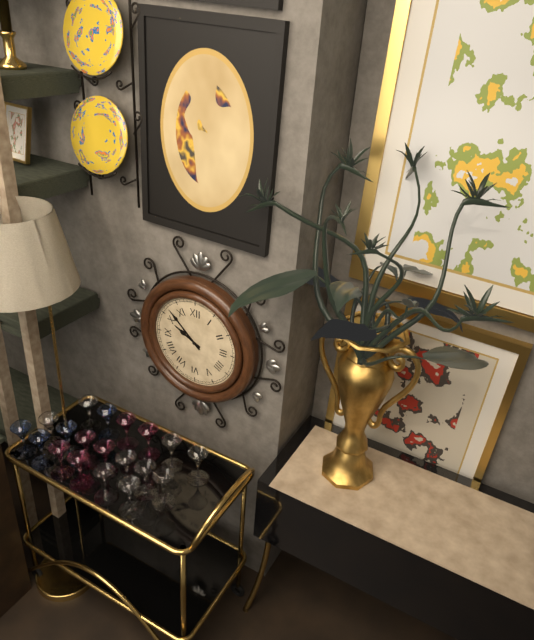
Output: 9h52
